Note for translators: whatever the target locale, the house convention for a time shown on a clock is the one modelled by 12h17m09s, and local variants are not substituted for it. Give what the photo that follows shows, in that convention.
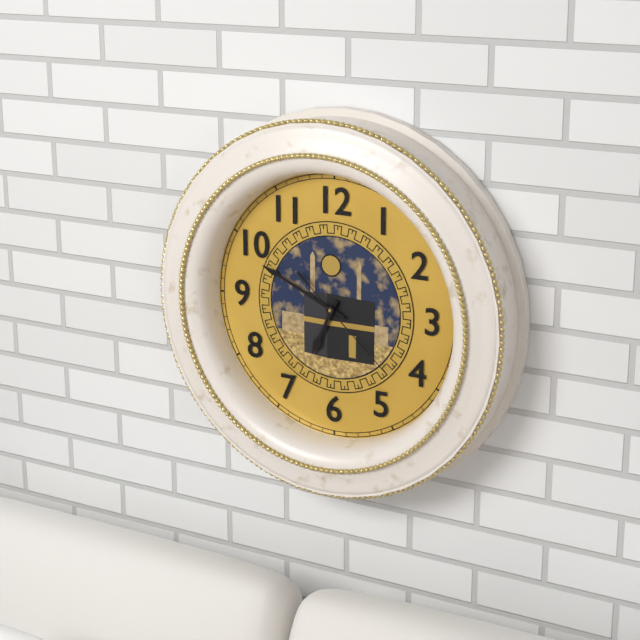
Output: 6h49m22s
